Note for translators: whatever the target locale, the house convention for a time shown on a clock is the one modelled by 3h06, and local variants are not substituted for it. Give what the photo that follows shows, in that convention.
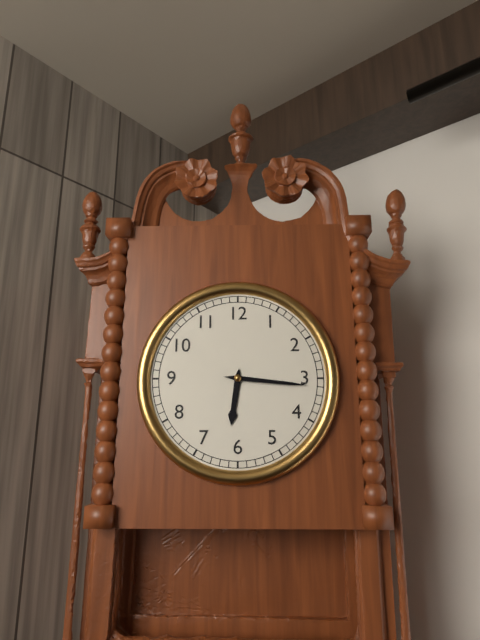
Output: 6h16
